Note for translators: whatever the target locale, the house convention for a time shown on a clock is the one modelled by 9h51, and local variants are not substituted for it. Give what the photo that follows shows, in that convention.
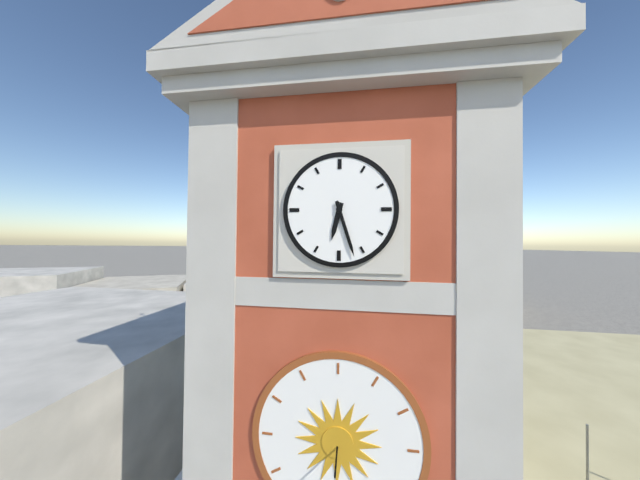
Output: 6h27
